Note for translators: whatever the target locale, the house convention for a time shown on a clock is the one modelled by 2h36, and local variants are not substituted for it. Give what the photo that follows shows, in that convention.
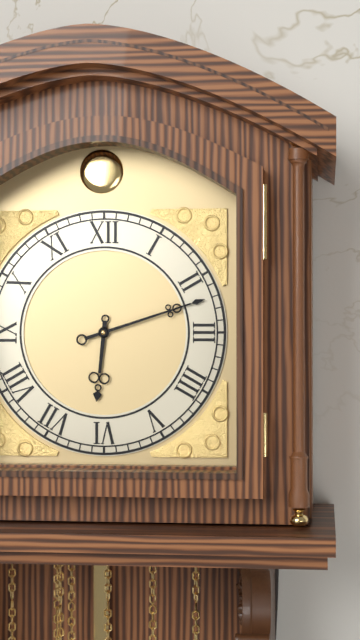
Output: 6h12
